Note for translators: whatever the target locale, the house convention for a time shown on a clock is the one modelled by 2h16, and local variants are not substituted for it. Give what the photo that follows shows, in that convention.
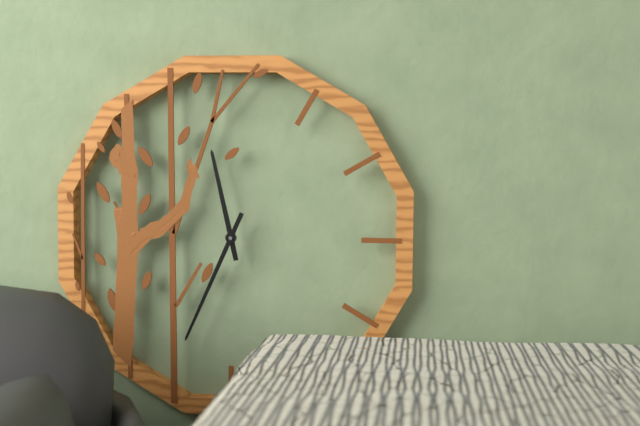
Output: 11h34
